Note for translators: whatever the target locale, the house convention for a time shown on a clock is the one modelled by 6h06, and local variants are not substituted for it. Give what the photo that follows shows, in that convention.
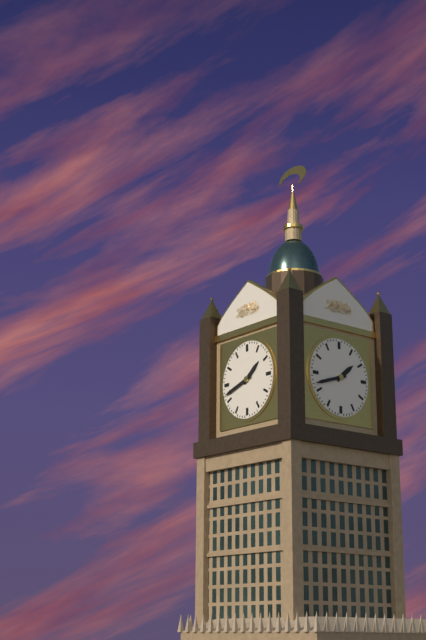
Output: 1h42
